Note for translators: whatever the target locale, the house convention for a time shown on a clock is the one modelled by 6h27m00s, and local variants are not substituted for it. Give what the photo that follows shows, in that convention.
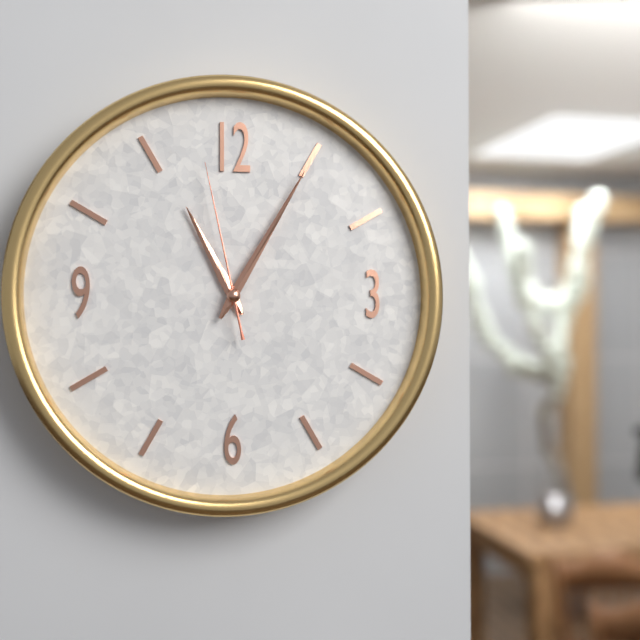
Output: 11h05m58s
